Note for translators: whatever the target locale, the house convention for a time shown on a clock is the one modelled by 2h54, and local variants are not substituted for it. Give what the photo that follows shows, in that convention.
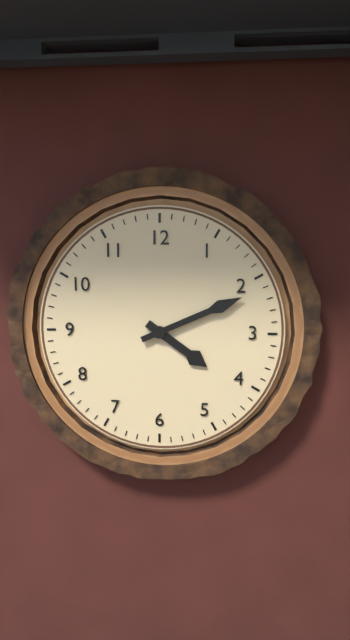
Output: 4h11
